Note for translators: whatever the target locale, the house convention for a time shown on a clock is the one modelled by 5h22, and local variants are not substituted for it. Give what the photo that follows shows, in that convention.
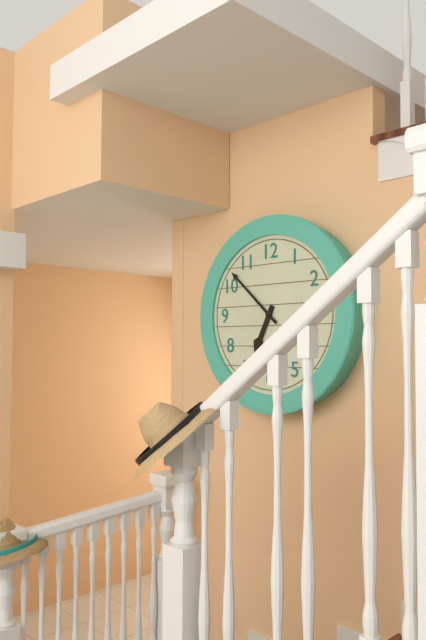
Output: 6h52
